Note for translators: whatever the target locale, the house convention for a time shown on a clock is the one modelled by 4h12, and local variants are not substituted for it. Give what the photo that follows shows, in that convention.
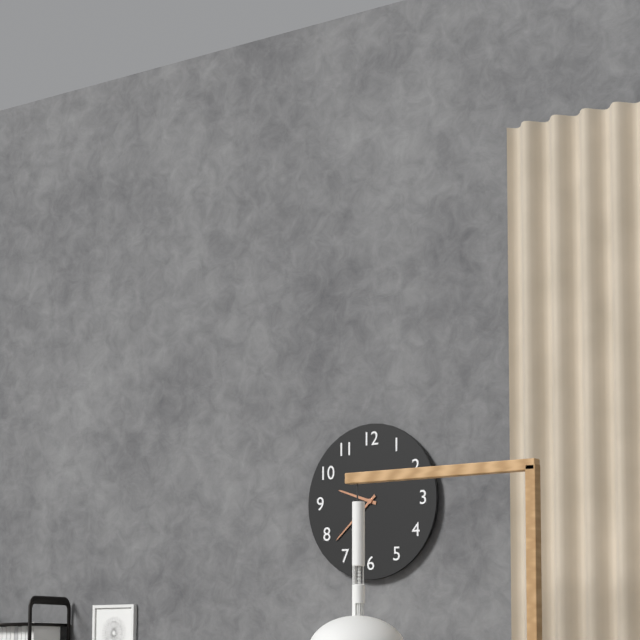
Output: 9h38
